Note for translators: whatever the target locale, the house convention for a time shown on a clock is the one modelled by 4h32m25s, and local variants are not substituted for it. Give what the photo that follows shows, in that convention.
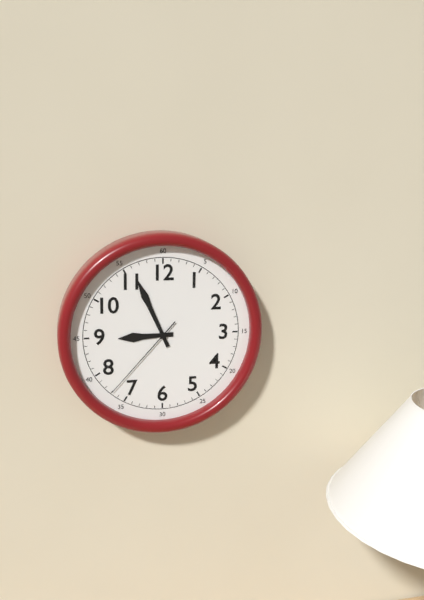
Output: 8h56m37s
